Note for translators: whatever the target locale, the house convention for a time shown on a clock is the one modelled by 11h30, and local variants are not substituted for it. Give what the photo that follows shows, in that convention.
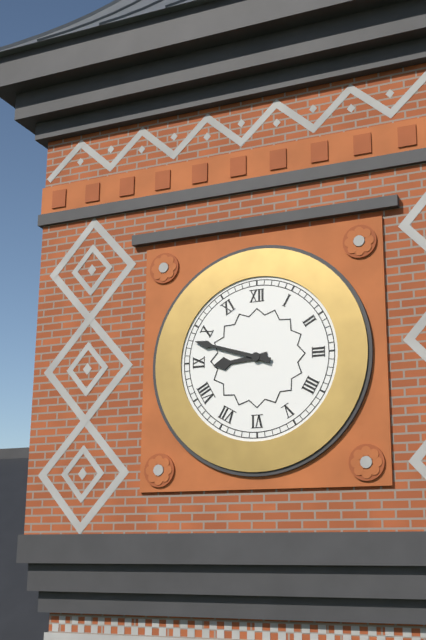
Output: 8h48
